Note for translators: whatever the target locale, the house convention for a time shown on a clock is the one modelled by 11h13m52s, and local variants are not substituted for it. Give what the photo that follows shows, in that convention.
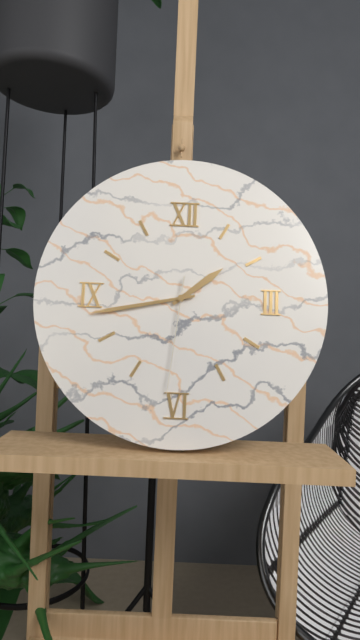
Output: 1h43m31s
